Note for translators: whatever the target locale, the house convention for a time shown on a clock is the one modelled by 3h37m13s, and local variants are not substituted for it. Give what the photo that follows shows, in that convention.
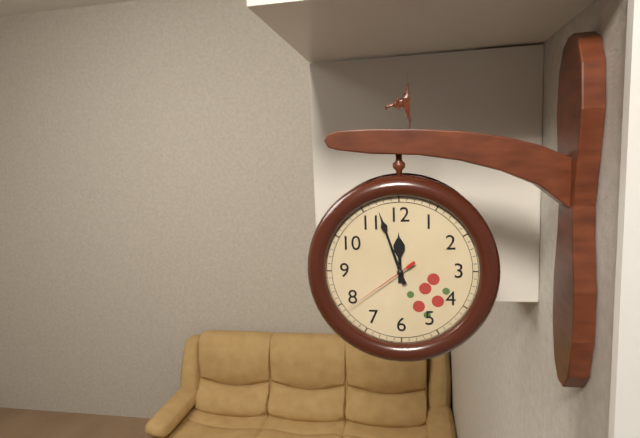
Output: 11h57m39s
